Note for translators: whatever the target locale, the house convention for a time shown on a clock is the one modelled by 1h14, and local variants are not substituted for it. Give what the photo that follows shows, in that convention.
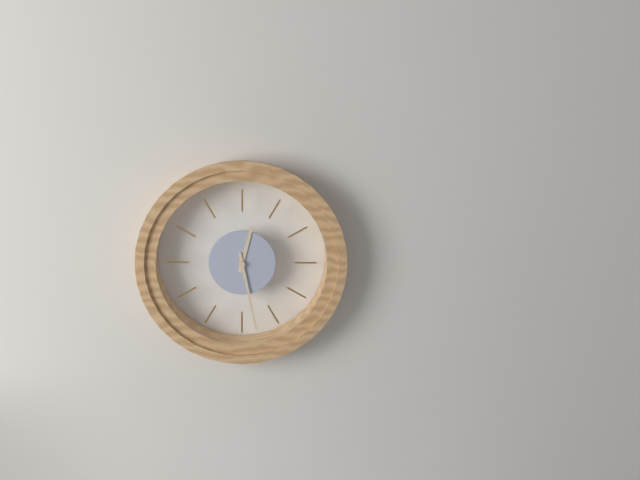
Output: 12h28
